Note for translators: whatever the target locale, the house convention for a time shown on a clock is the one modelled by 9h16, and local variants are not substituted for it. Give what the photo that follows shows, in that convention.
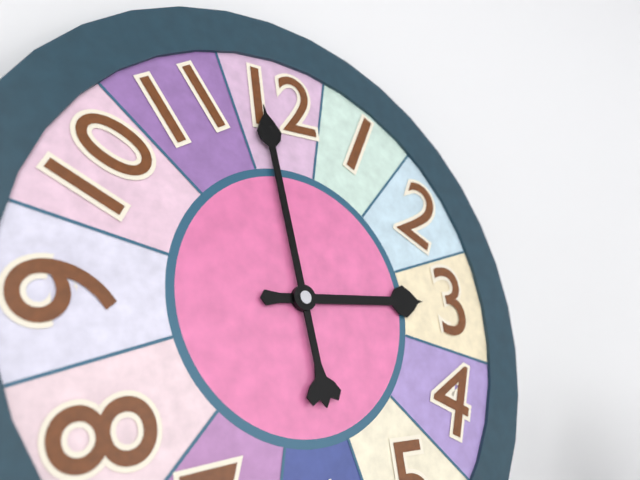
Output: 2h59
